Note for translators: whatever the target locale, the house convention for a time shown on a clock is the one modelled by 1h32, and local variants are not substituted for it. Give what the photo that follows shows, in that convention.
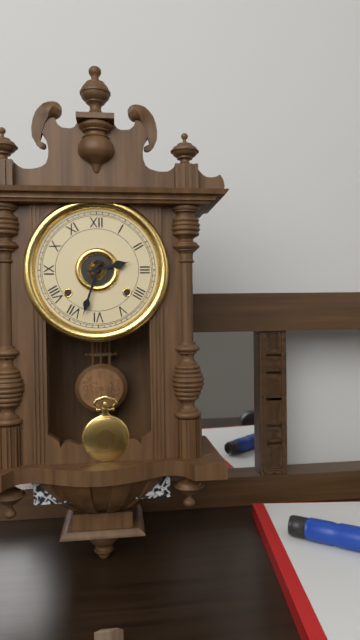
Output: 2h33
